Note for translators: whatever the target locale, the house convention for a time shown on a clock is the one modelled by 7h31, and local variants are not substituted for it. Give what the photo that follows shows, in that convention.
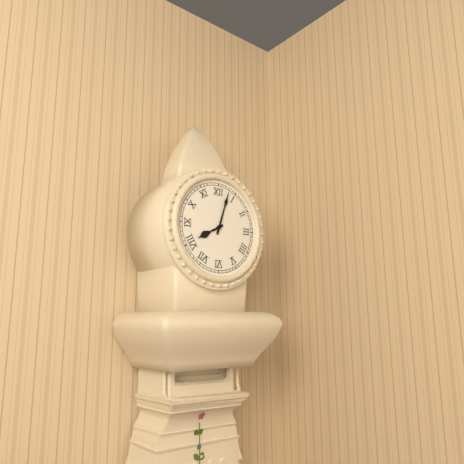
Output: 8h03
